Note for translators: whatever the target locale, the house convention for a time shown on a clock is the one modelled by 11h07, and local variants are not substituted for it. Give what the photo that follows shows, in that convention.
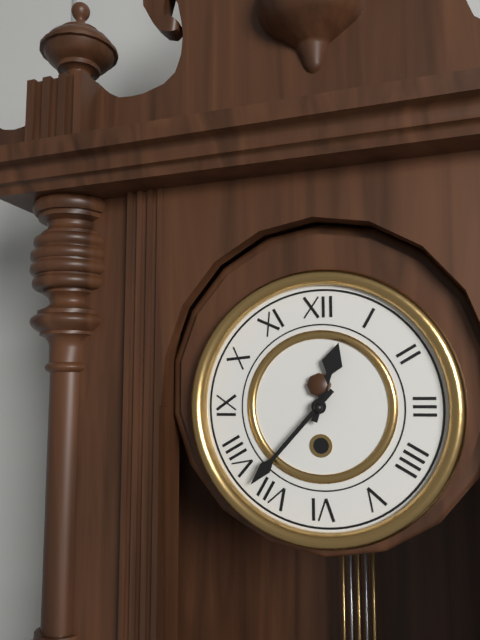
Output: 12h37
